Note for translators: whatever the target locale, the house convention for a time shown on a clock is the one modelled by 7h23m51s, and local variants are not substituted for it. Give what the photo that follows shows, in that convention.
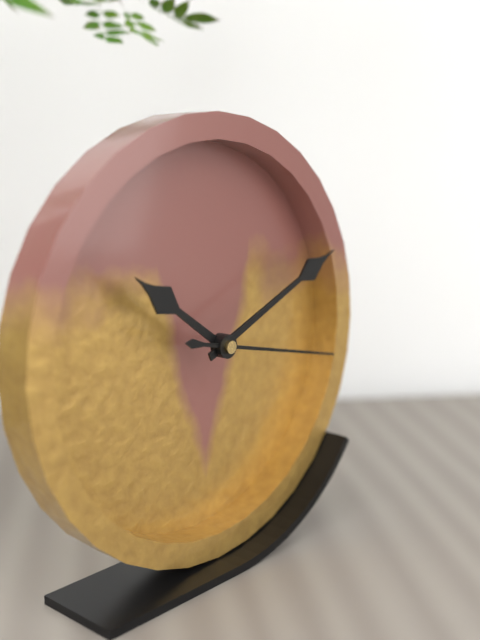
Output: 10h11m17s
